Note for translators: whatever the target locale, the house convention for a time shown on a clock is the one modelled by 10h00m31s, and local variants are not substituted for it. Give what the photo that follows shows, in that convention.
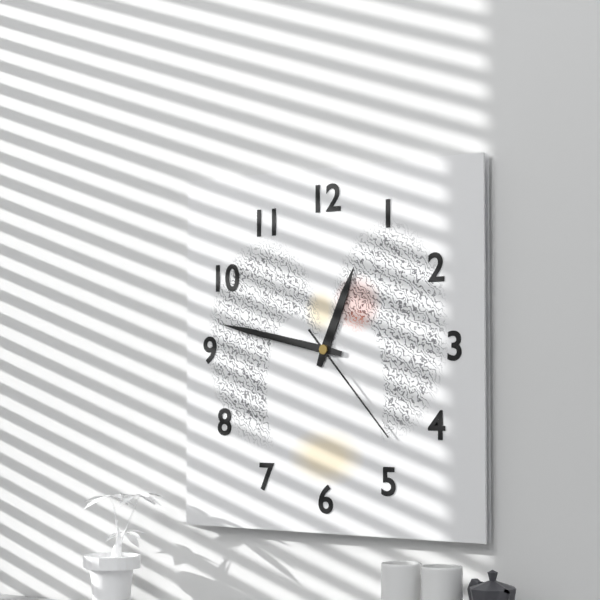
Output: 12h47m23s
